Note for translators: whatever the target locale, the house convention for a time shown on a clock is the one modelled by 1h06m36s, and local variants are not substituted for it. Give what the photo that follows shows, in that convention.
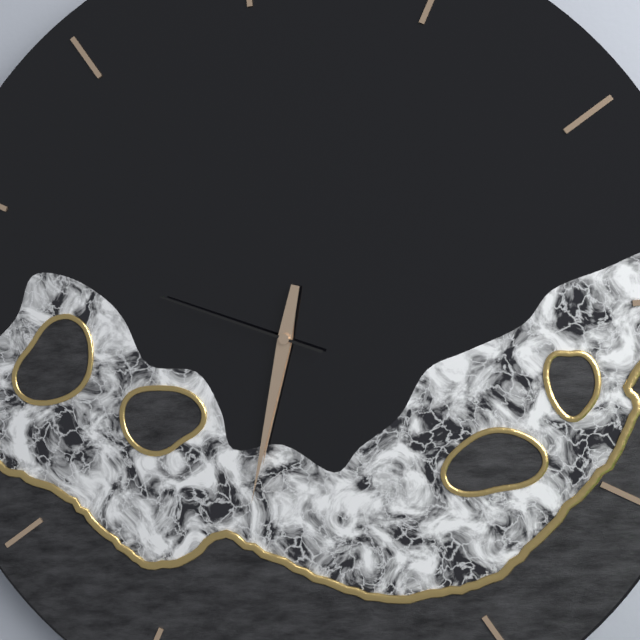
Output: 6h33m49s
